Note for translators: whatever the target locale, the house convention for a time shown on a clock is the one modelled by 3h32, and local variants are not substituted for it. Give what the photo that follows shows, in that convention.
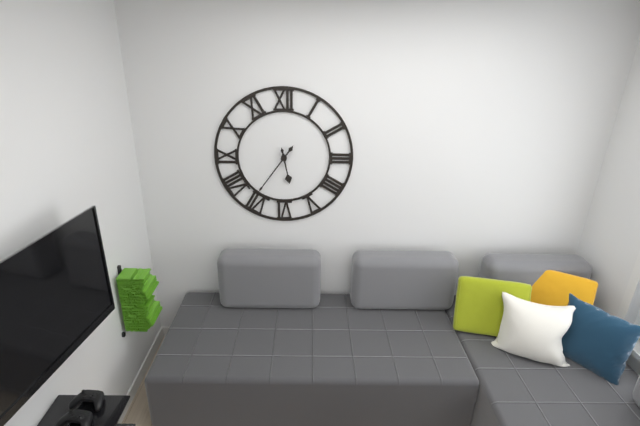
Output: 5h36
